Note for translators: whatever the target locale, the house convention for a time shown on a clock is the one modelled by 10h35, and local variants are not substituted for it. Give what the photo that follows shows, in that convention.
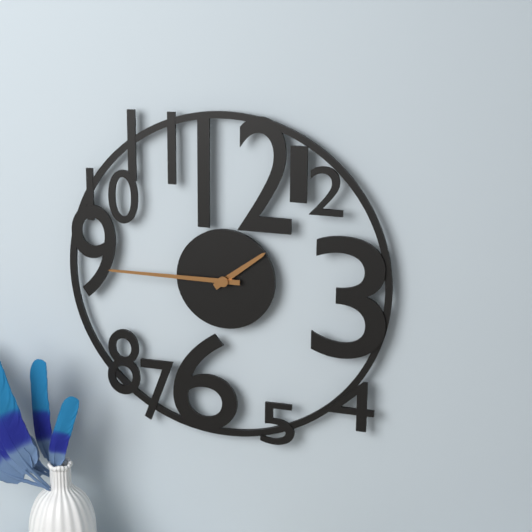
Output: 1h45
